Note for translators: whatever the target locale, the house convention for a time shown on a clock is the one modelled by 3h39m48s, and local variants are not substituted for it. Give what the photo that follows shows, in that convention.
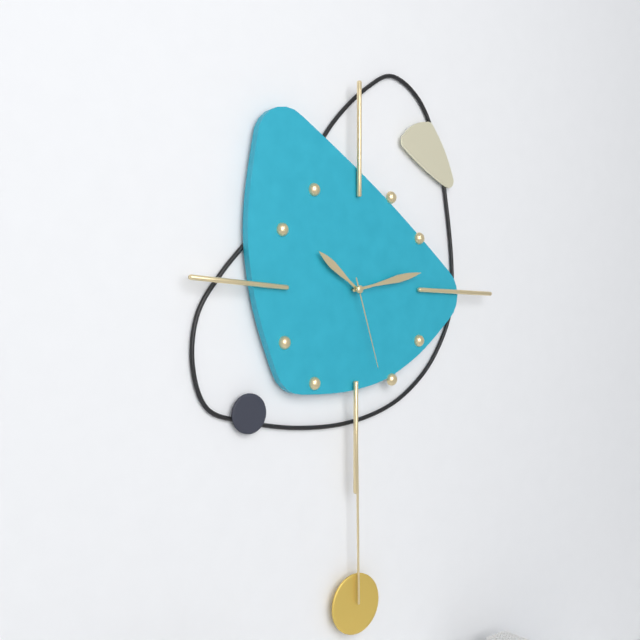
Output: 10h13m27s
